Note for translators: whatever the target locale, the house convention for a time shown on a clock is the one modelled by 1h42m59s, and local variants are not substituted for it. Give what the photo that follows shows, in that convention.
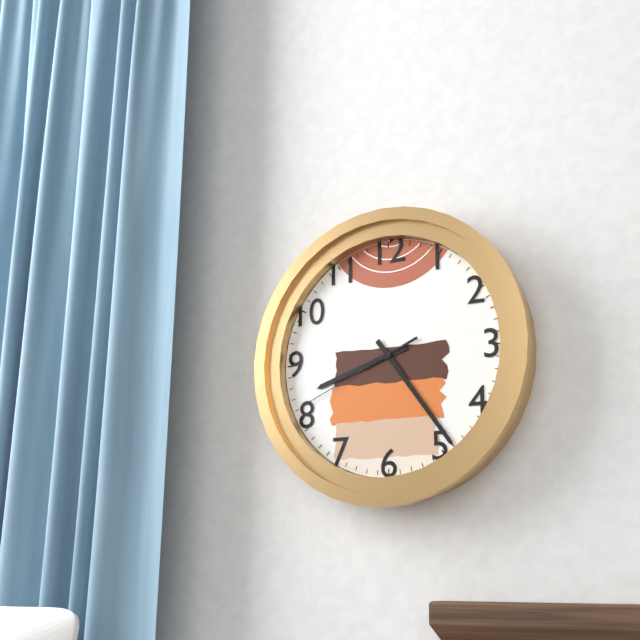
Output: 8h24m41s
